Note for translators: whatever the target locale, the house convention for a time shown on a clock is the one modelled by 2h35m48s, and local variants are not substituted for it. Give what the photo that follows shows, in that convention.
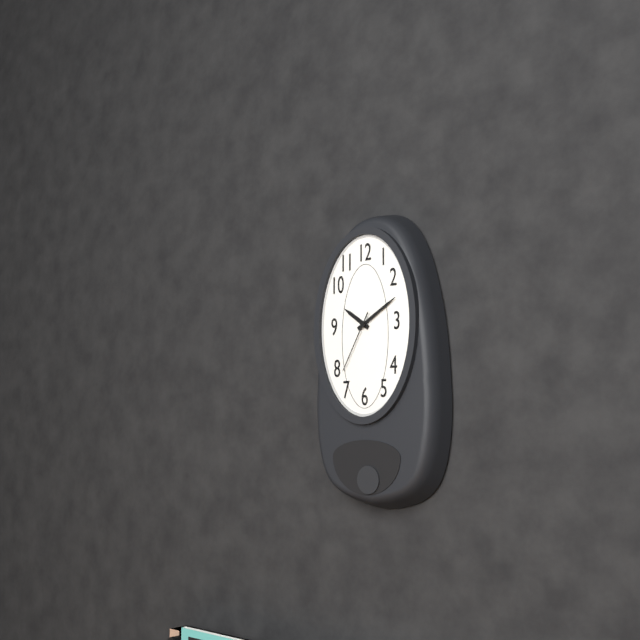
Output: 10h10m35s
